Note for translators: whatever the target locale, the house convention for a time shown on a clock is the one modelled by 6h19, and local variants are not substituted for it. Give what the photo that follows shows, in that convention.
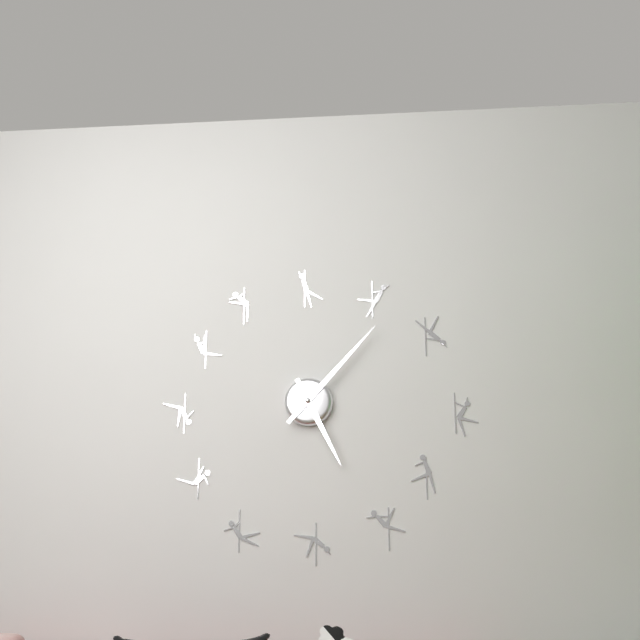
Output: 5h07
